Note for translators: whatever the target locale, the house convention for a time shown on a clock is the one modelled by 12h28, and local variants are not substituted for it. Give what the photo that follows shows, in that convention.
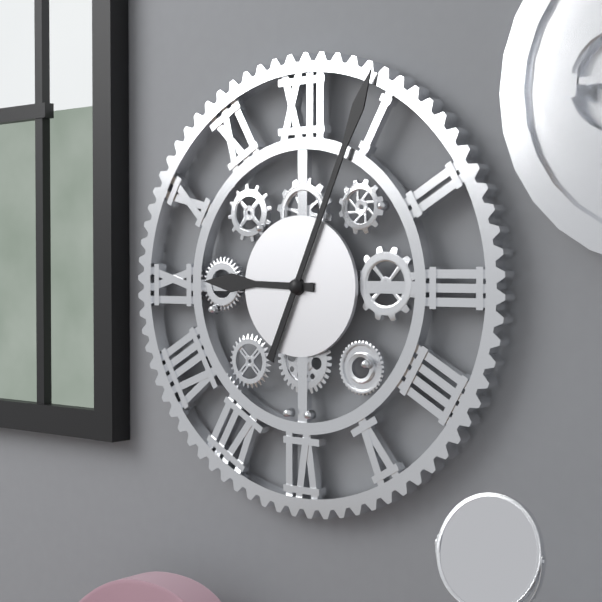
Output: 9h04
